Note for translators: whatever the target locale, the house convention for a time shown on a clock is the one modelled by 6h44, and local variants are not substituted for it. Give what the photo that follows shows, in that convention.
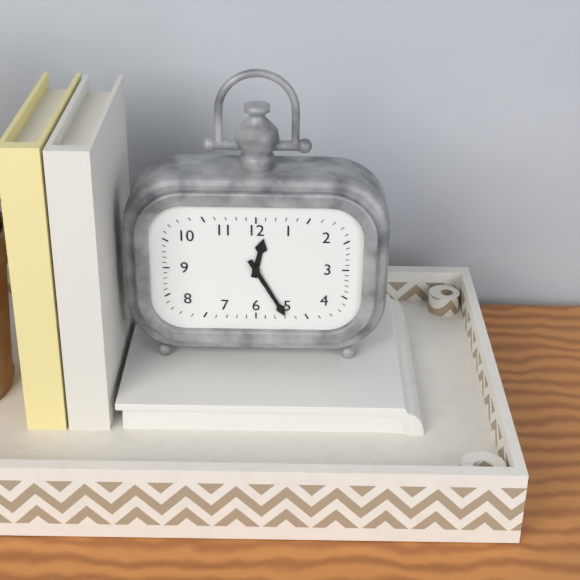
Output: 12h25
